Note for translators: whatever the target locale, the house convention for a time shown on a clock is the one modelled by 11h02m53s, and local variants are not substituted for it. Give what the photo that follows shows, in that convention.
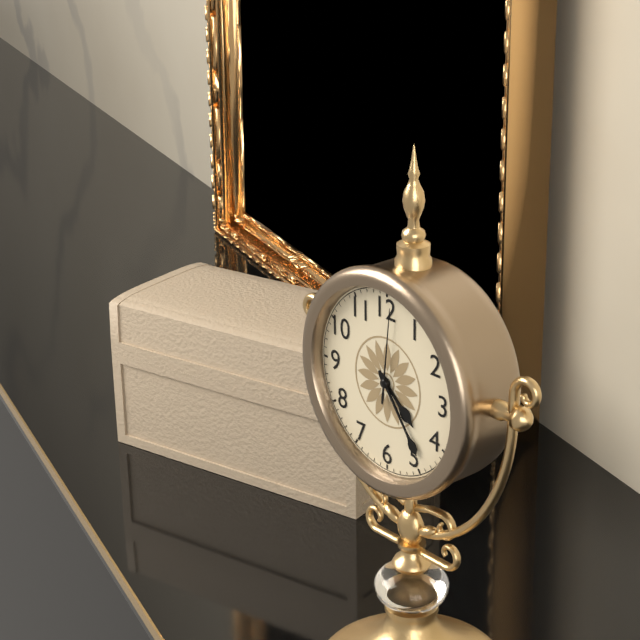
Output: 4h24m01s
